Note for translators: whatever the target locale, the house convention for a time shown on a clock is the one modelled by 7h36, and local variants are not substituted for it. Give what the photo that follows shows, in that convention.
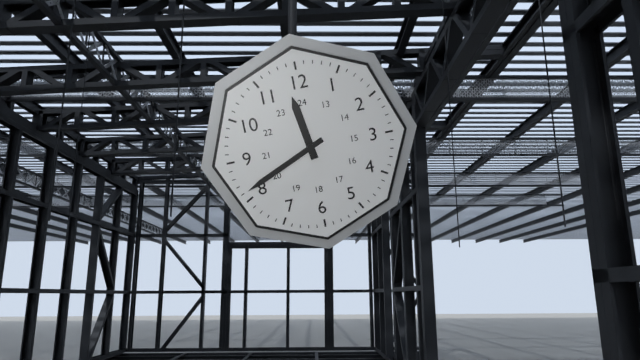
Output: 11h41
